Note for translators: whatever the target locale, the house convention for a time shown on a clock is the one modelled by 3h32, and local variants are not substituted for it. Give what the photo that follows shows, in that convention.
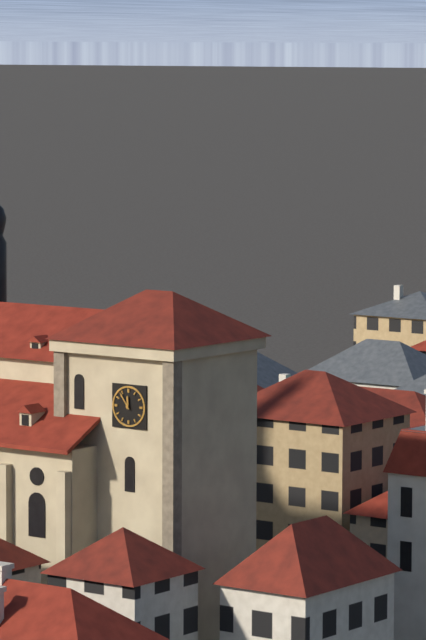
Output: 11h54
